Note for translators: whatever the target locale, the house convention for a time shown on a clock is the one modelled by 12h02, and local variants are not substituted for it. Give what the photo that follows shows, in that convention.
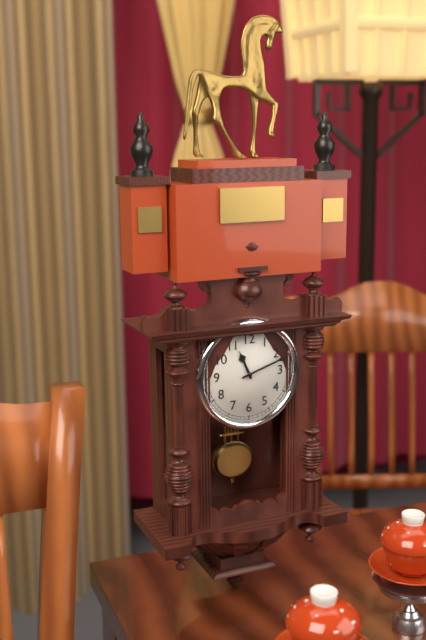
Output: 11h12
